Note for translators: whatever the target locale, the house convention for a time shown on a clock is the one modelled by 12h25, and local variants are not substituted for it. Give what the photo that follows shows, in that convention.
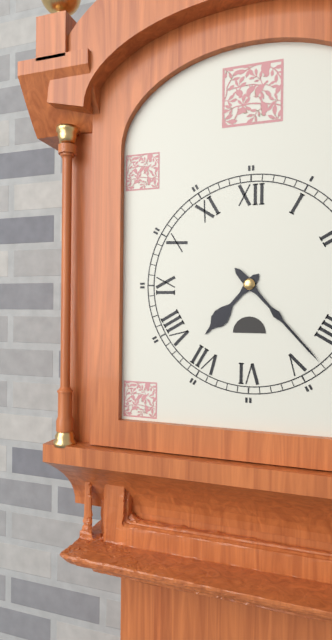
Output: 7h23
